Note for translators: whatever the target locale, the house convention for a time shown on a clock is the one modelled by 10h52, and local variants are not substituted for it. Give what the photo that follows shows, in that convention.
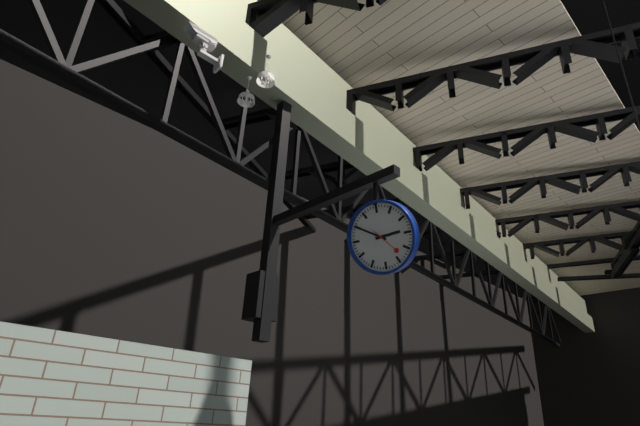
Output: 2h50
